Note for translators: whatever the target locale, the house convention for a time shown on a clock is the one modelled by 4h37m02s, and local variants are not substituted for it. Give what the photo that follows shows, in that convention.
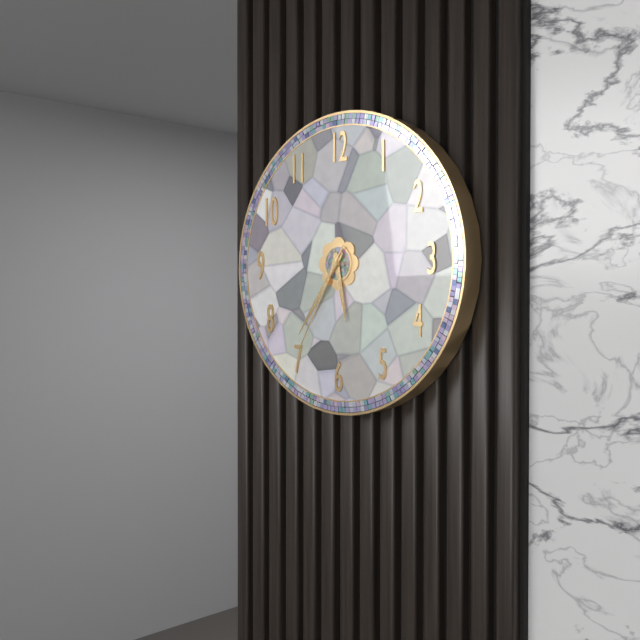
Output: 5h36m35s
